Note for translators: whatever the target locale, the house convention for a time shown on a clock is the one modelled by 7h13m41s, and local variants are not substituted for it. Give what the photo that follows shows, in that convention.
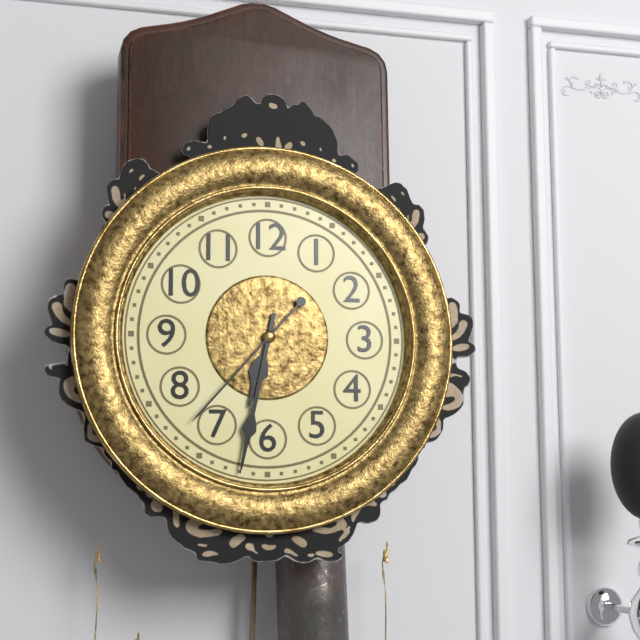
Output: 6h32m37s
